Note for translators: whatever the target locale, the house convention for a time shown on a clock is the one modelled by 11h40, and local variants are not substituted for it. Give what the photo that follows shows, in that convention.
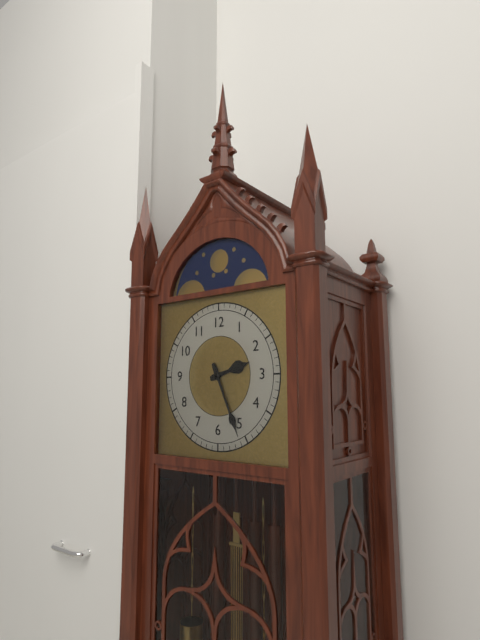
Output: 2h26
